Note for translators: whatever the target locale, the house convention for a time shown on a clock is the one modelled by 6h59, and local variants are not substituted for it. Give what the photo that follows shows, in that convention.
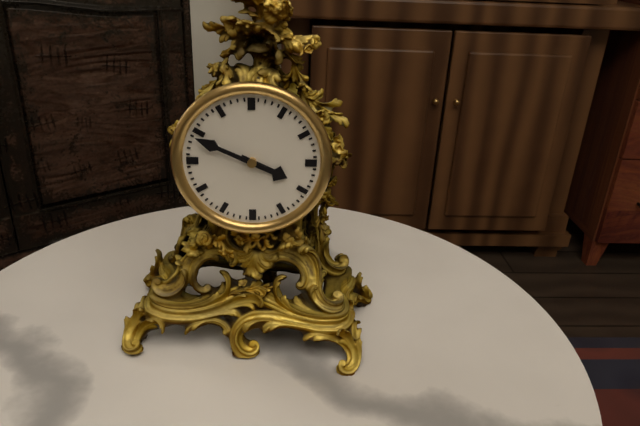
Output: 3h49
